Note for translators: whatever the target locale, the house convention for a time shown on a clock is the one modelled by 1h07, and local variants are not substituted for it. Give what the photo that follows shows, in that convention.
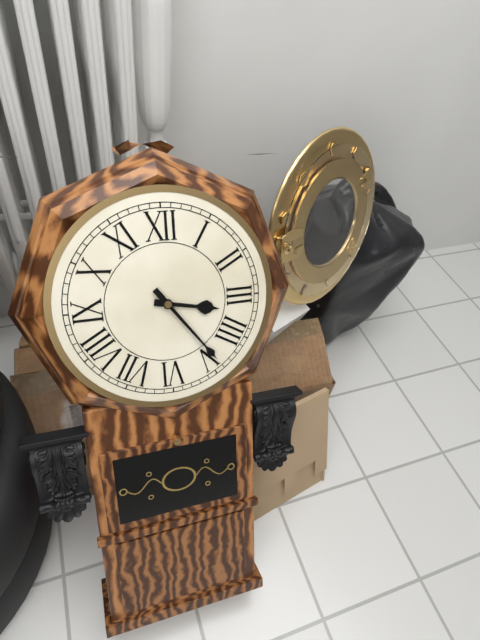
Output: 3h24
